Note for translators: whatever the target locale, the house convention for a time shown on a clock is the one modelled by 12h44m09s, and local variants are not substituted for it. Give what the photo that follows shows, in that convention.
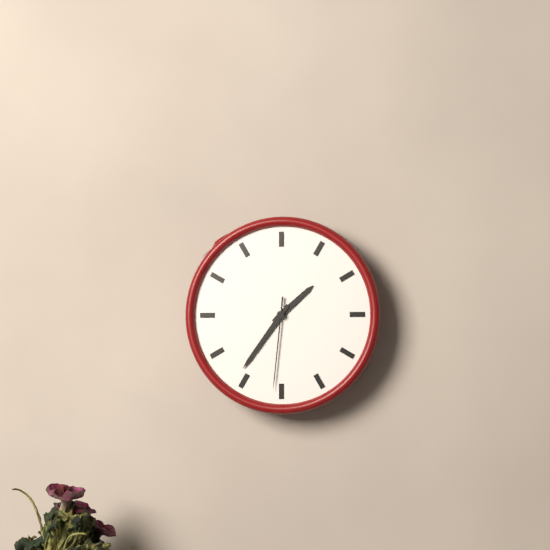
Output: 1h36m31s
